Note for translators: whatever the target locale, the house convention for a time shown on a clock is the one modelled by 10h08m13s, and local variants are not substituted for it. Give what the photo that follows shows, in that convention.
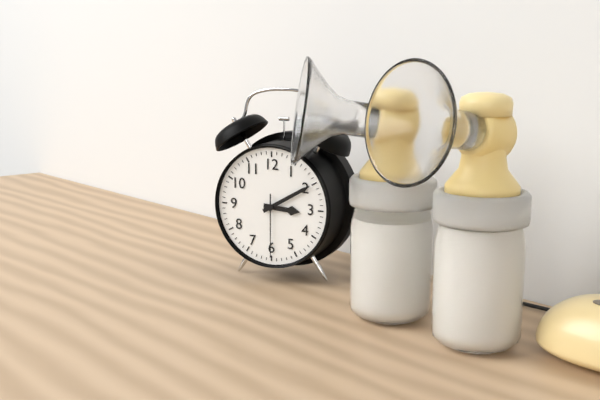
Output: 3h10m30s
